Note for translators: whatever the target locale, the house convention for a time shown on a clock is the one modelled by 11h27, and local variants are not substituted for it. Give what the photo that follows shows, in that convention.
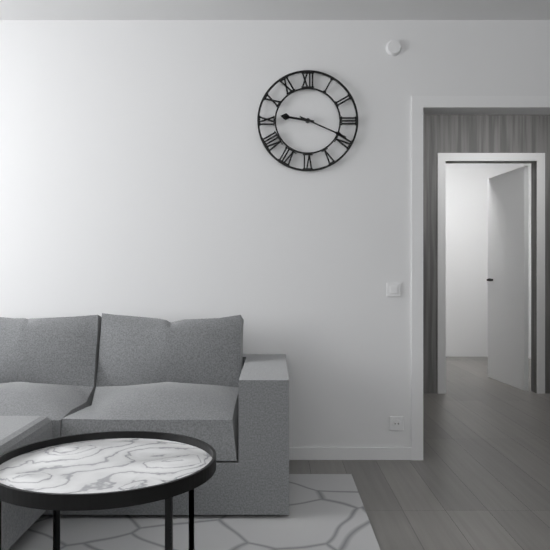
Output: 9h19
